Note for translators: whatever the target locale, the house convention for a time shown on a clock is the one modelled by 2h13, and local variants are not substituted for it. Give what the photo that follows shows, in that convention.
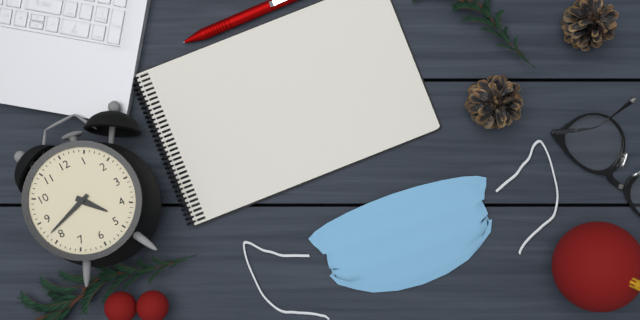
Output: 4h42
